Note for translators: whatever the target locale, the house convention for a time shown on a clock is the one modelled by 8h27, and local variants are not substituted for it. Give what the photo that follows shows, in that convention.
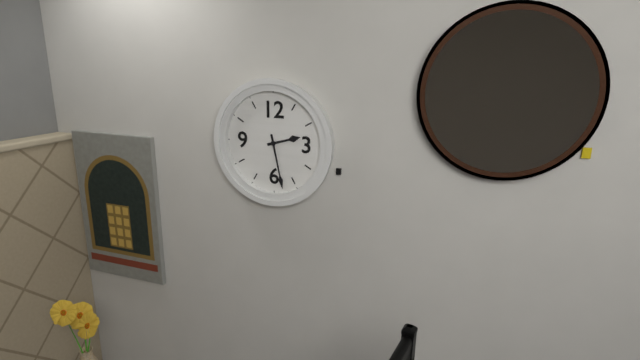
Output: 2h28
